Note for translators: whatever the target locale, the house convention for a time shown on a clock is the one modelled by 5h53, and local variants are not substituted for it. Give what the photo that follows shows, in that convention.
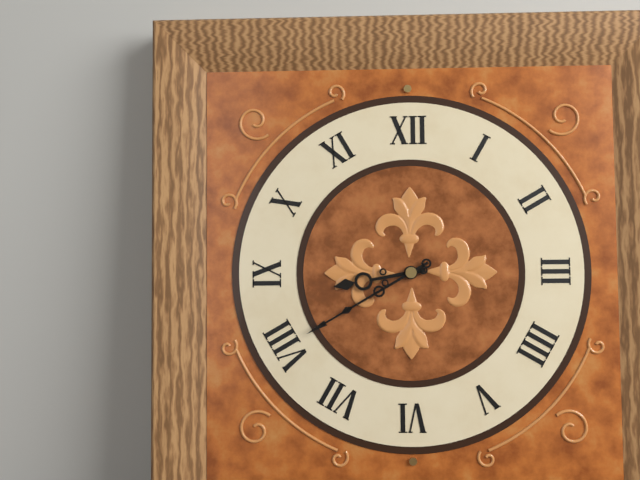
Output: 8h40
